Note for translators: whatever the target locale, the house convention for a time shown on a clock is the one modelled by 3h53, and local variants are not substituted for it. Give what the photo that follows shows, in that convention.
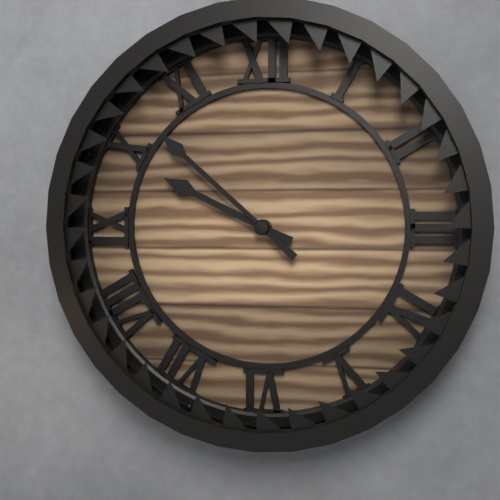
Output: 9h52
